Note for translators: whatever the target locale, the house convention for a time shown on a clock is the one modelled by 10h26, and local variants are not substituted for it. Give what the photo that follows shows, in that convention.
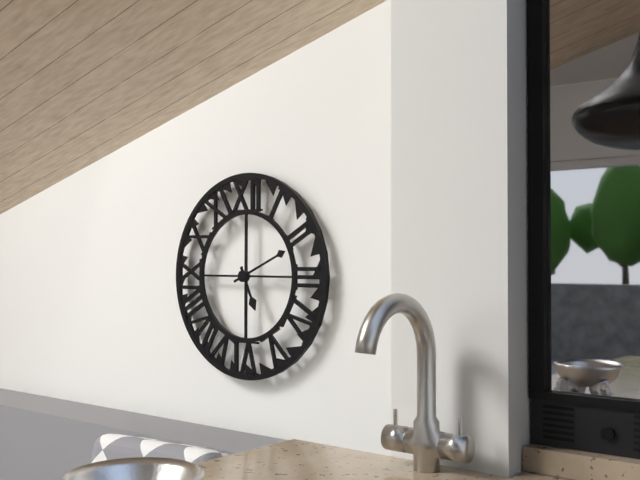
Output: 5h11
